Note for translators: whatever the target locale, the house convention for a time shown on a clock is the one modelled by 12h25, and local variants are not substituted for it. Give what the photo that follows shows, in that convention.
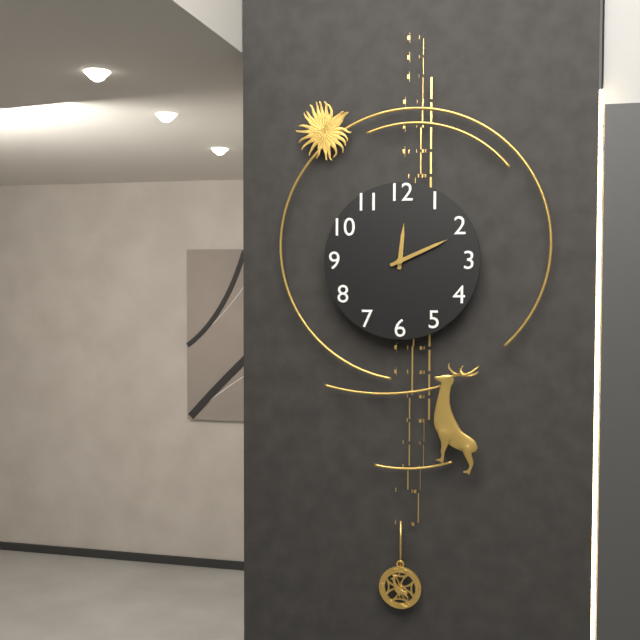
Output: 12h11
